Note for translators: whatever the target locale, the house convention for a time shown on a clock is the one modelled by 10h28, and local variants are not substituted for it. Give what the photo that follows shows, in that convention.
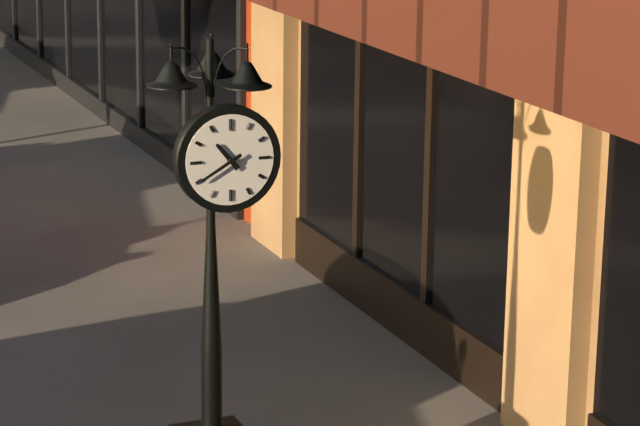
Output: 10h40
